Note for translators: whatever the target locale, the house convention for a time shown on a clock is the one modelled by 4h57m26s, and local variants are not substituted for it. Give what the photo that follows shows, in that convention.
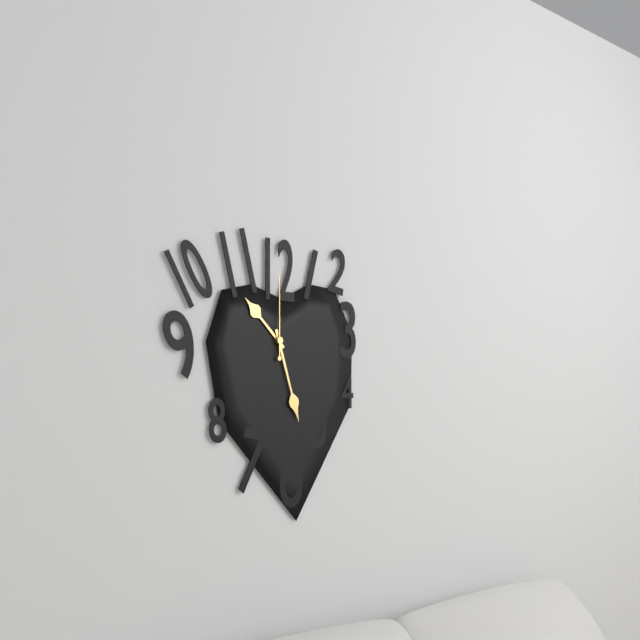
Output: 10h27m00s
